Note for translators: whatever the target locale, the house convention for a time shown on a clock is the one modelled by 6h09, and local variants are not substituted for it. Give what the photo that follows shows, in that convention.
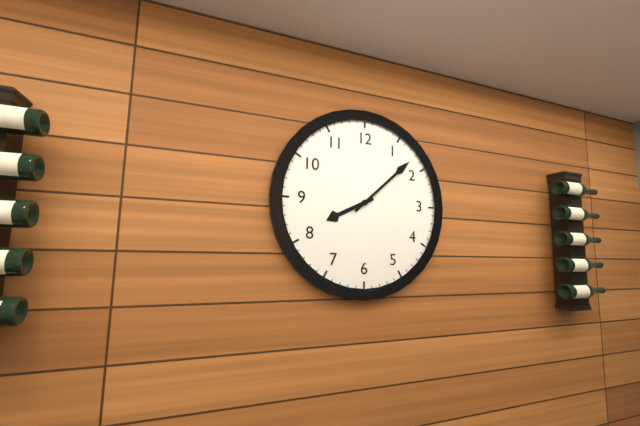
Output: 8h08
